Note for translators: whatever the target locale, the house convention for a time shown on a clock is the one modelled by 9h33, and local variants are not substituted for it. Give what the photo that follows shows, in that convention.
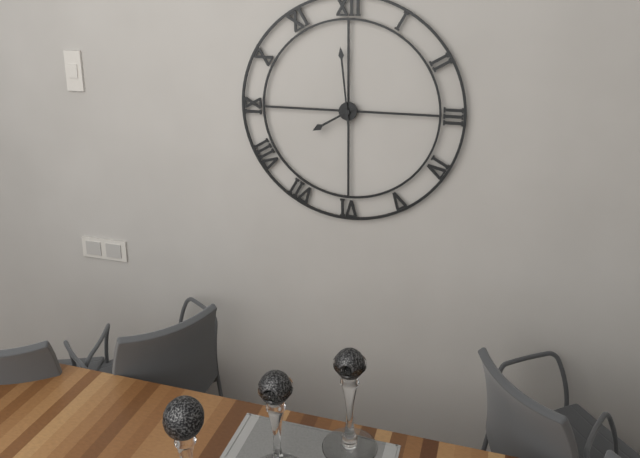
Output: 7h59
